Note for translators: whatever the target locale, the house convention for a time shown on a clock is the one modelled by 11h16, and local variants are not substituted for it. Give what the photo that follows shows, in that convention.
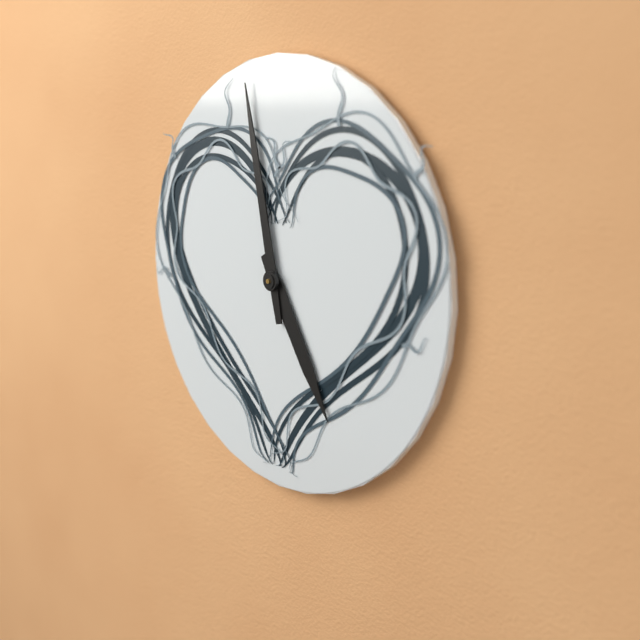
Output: 4h58
